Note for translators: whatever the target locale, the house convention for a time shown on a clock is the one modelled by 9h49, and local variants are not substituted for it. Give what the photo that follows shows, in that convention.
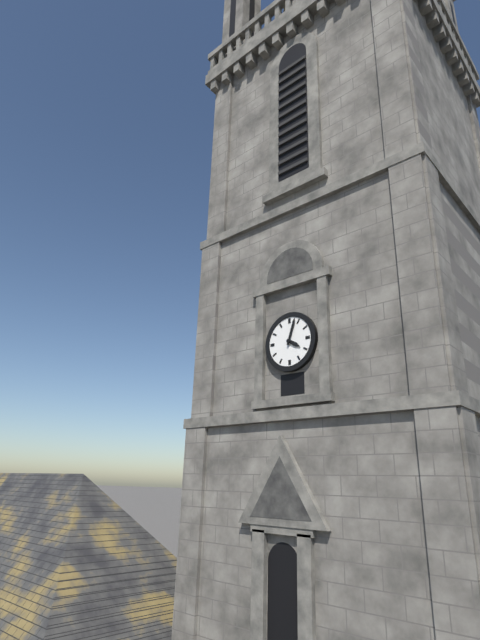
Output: 4h03
